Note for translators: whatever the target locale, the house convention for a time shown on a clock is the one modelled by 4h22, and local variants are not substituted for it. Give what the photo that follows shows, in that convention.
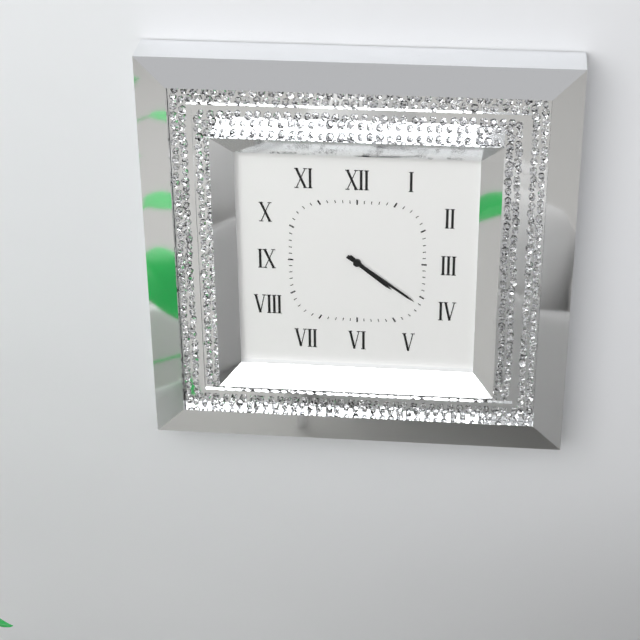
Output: 4h21
